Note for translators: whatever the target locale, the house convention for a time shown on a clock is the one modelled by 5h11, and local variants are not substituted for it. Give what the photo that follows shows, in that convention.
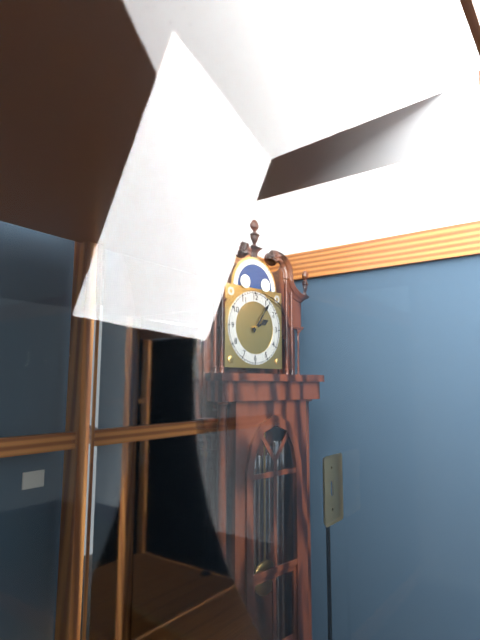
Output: 2h06
